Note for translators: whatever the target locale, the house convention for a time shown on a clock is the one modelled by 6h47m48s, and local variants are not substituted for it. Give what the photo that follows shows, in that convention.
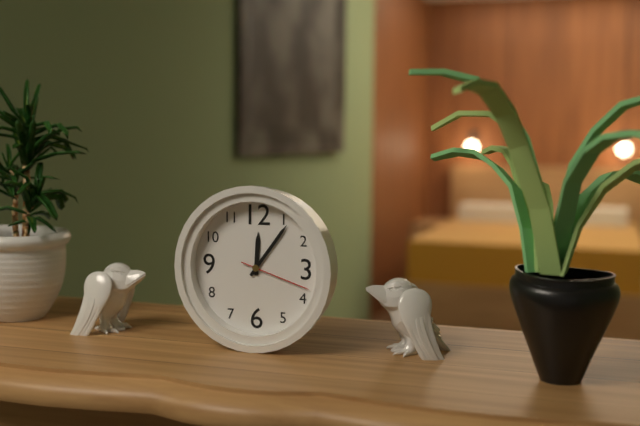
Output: 12h06m18s
